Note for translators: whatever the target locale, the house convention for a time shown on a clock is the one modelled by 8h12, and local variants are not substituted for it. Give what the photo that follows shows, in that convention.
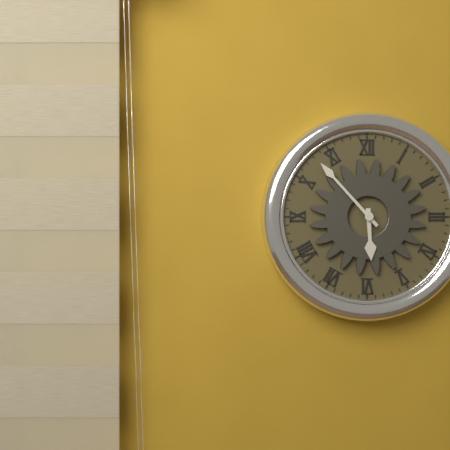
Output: 5h53
